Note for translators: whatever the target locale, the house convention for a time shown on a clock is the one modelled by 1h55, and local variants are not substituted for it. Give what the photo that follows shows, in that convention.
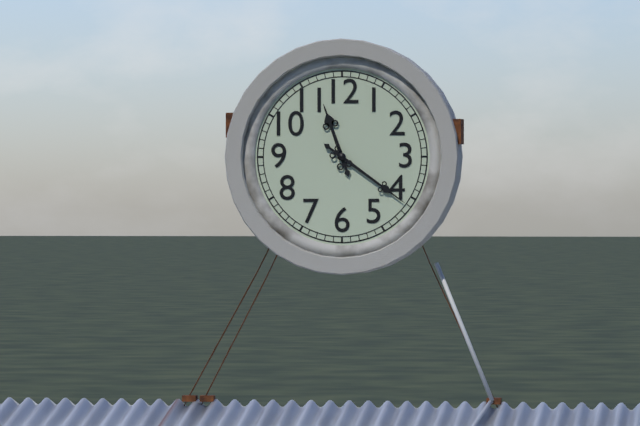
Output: 11h21
